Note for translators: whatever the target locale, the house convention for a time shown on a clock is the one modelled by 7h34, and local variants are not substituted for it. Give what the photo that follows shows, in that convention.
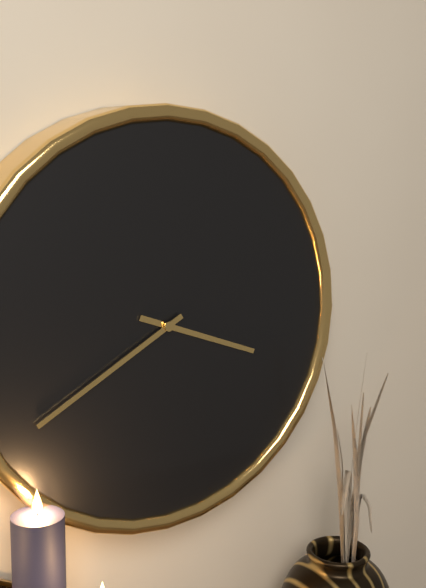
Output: 3h40
